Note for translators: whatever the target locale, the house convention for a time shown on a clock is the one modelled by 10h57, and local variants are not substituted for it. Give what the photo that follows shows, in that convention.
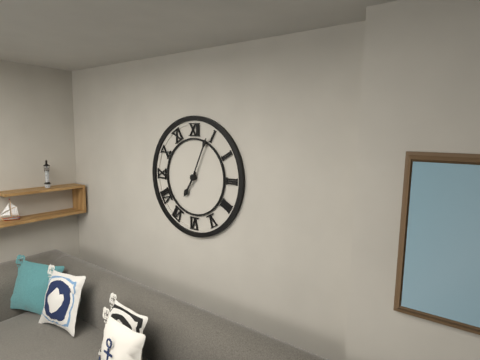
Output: 7h04
